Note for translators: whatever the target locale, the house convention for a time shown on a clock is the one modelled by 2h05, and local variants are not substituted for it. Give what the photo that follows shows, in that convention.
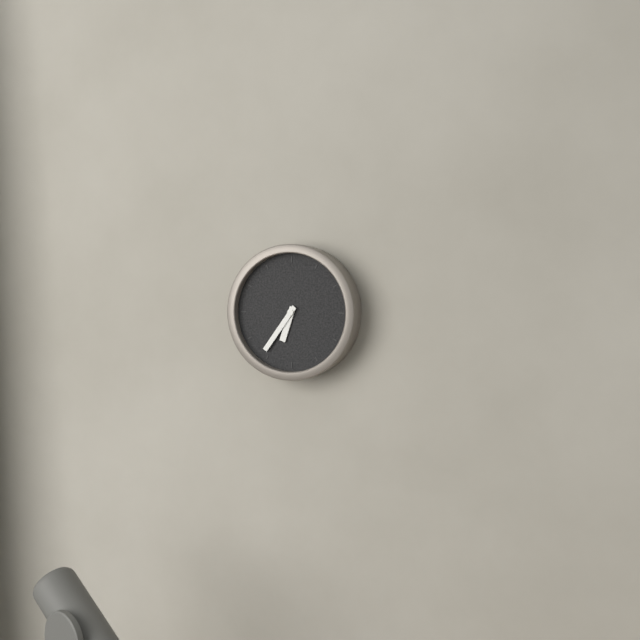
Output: 6h36
